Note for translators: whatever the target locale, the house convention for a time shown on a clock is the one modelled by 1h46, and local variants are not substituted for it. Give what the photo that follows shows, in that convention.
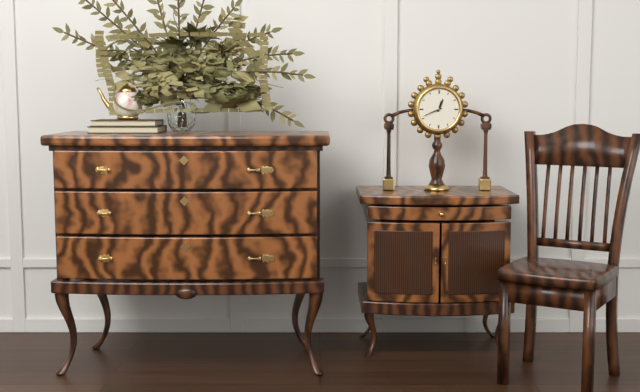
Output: 12h41
